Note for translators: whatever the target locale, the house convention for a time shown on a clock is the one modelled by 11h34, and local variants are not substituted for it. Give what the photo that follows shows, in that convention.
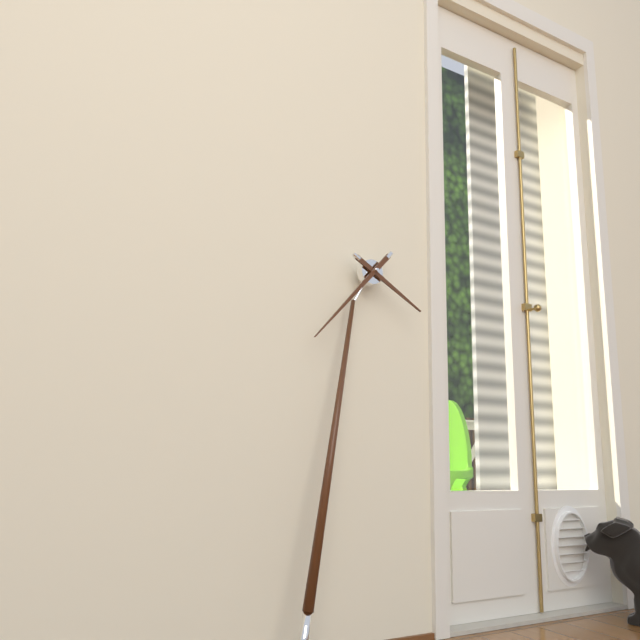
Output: 3h35
